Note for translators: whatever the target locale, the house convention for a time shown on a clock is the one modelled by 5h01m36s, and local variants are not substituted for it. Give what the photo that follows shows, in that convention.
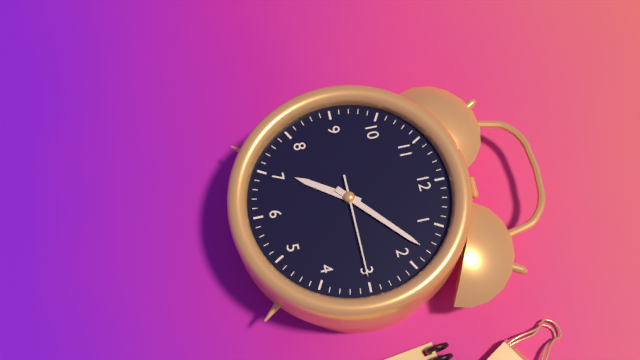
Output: 7h08m15s
